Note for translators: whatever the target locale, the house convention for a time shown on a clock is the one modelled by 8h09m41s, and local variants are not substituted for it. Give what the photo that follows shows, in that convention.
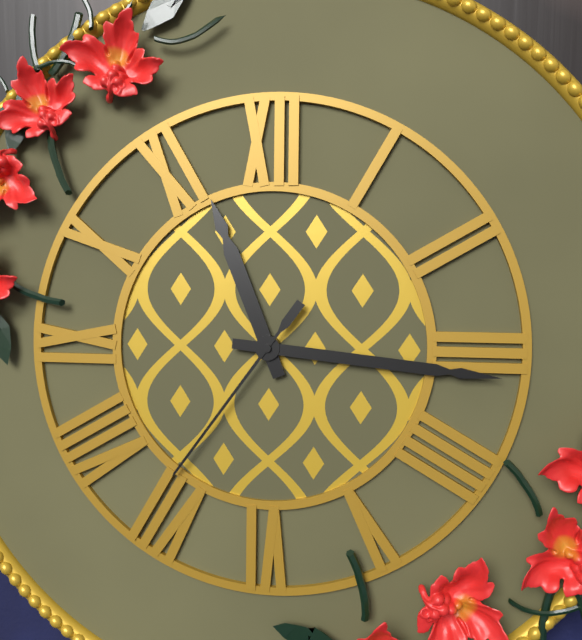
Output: 11h16m36s
